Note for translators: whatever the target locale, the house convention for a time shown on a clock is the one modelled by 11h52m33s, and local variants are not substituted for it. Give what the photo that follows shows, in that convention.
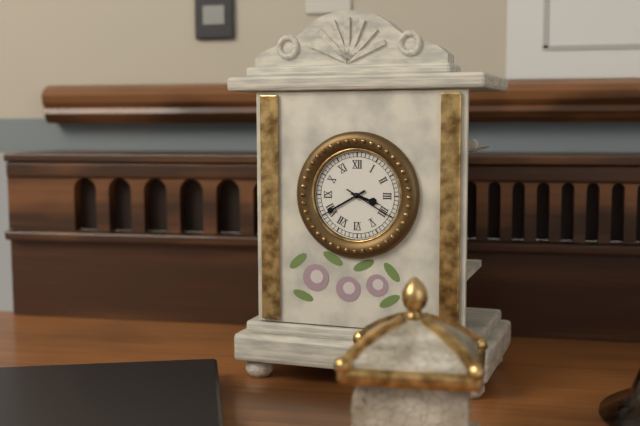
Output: 3h40m20s
